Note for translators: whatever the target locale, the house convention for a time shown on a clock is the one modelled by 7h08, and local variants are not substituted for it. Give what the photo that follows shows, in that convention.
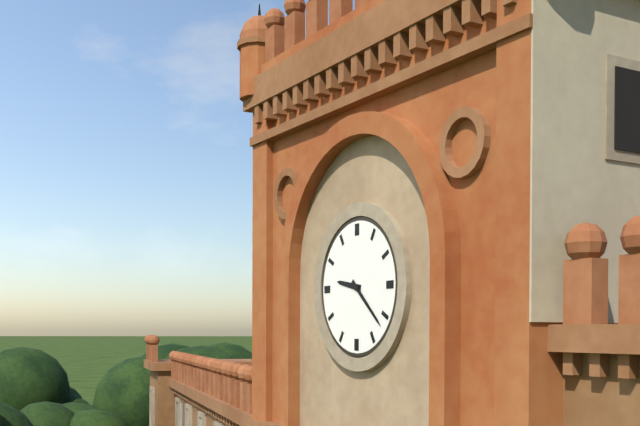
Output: 9h22
